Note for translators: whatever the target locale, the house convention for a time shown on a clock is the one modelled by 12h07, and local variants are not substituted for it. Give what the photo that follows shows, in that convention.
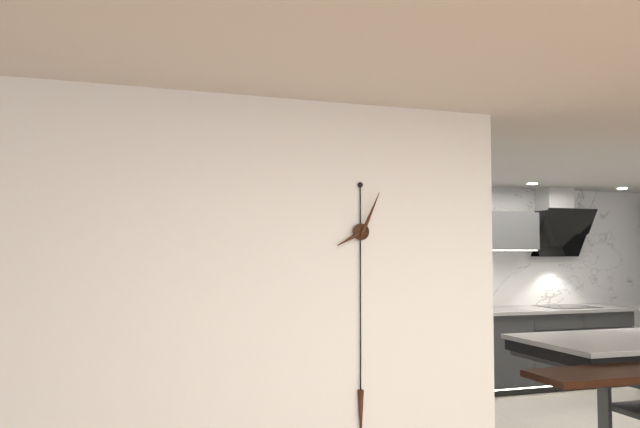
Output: 8h04
